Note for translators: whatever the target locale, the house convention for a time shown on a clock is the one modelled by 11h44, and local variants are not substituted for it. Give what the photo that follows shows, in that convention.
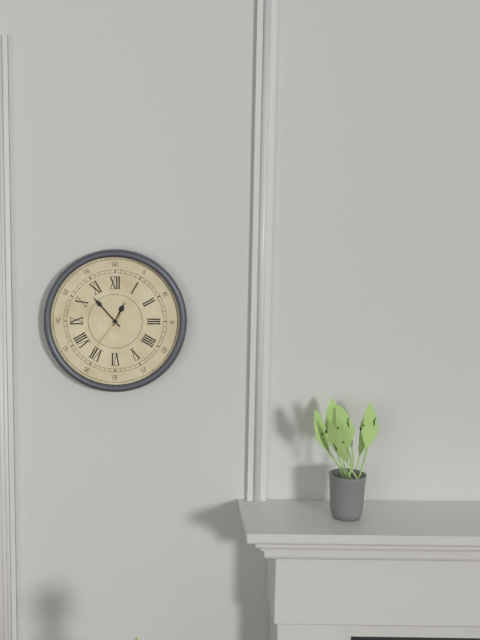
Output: 12h53
